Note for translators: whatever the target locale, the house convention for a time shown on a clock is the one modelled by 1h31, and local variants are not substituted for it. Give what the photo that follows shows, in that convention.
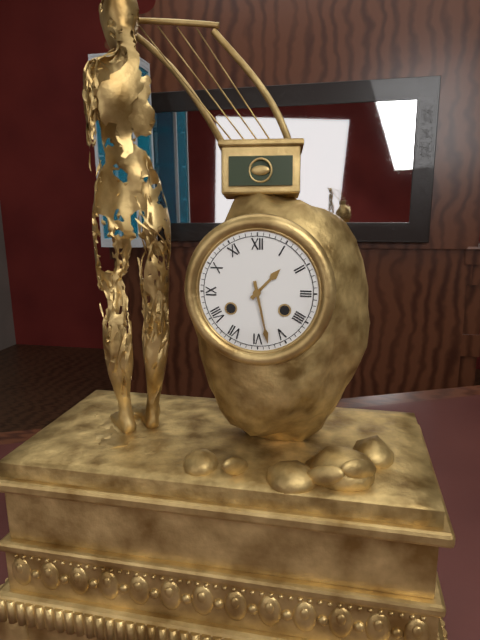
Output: 1h28
